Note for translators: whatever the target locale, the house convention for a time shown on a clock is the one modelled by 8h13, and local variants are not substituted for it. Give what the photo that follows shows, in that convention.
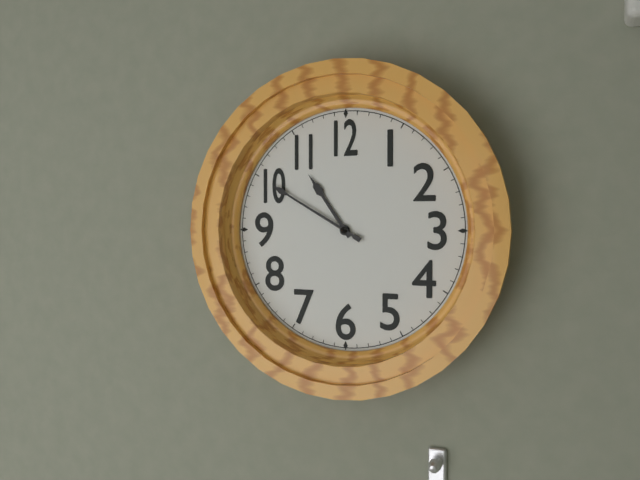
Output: 10h50
